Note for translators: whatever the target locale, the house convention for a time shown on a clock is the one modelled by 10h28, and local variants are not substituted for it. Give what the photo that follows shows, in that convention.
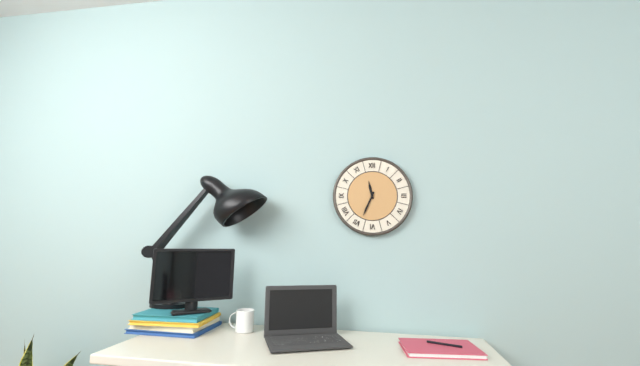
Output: 11h34
